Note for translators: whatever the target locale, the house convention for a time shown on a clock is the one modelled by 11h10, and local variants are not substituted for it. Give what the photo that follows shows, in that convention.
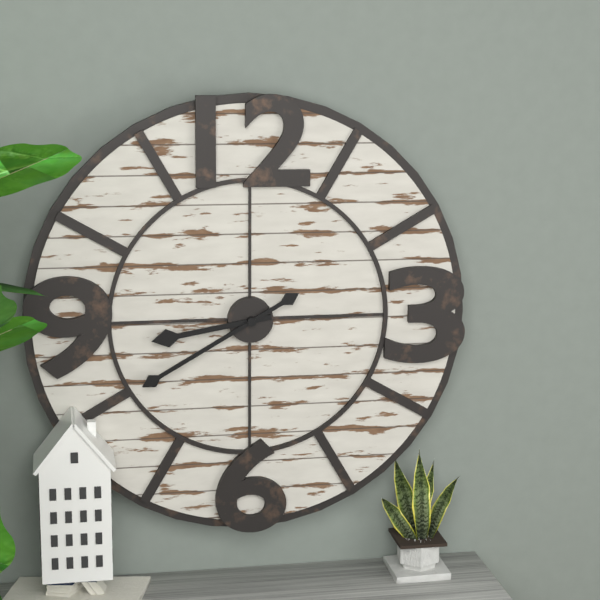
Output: 8h40
